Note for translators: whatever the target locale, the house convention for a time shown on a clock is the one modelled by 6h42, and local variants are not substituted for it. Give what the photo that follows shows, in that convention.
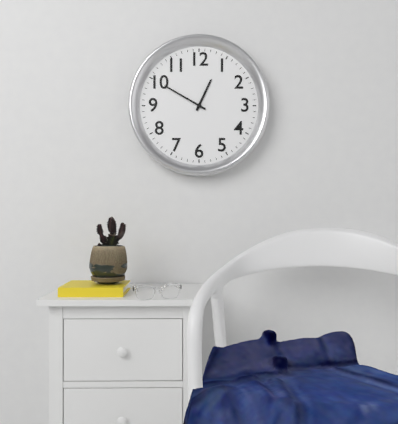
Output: 12h50
